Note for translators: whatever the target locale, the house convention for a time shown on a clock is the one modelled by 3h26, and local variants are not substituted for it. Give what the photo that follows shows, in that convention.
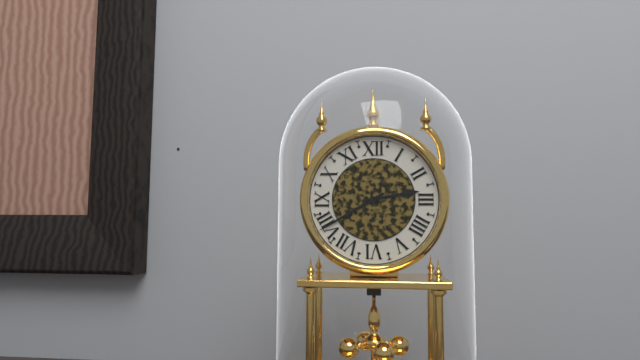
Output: 2h40
